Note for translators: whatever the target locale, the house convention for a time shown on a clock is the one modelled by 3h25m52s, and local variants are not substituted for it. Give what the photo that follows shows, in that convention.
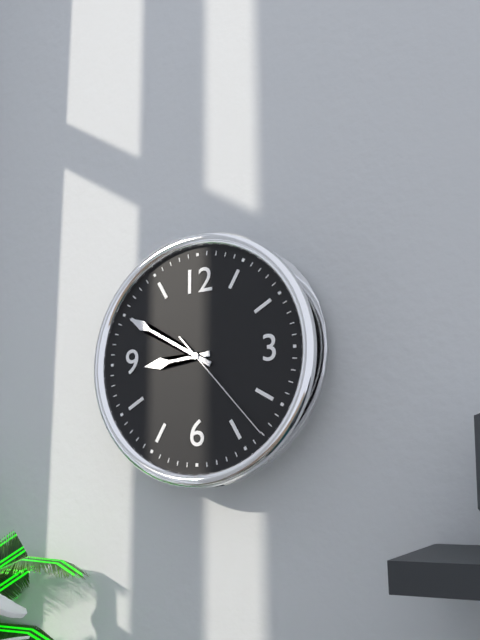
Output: 8h50m23s
